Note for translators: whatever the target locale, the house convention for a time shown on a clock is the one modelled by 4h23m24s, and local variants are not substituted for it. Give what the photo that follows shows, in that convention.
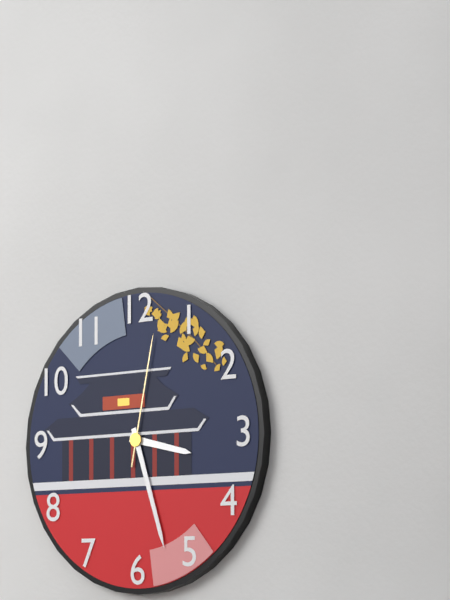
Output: 3h27m02s
